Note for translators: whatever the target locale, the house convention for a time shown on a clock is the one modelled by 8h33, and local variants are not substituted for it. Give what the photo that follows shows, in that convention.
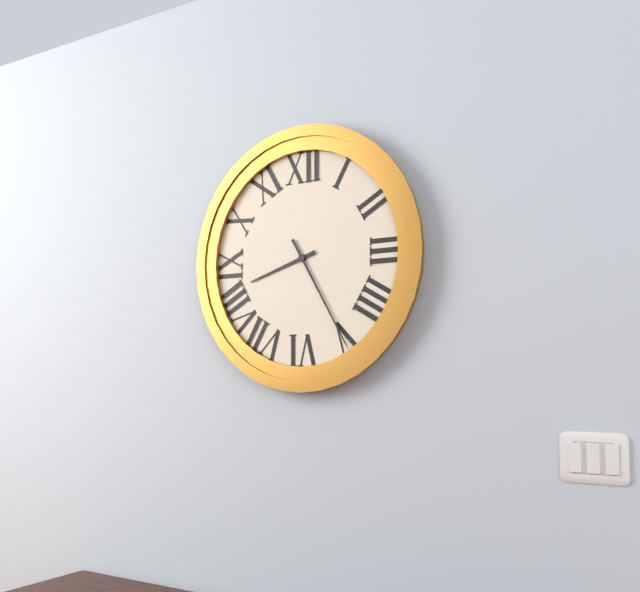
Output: 8h25
